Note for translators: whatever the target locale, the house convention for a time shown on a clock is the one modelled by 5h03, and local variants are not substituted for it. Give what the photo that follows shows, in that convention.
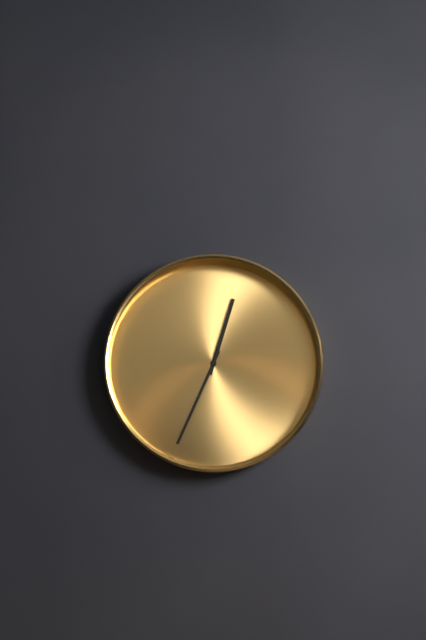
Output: 12h34
